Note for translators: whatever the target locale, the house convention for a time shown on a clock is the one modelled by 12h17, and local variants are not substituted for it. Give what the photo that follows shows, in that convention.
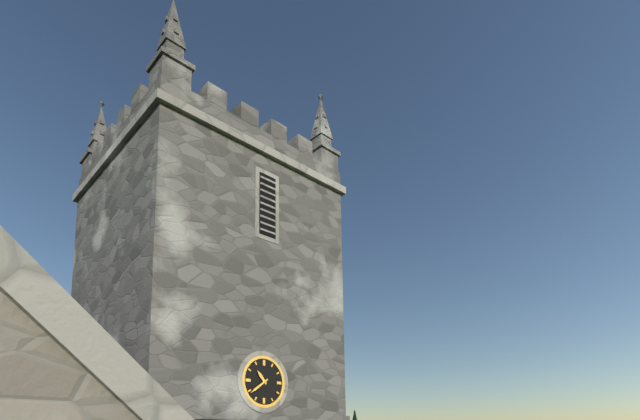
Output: 10h39
